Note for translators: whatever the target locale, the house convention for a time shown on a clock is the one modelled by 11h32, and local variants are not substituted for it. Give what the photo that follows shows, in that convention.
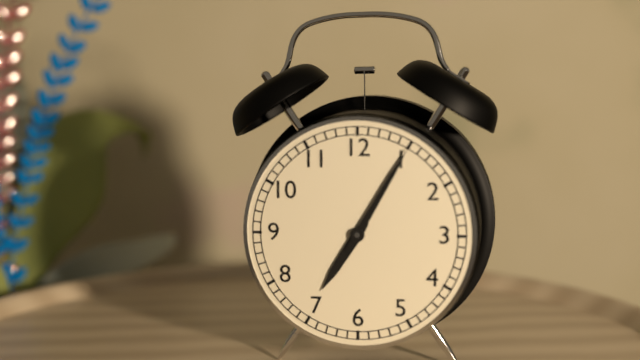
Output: 7h05
